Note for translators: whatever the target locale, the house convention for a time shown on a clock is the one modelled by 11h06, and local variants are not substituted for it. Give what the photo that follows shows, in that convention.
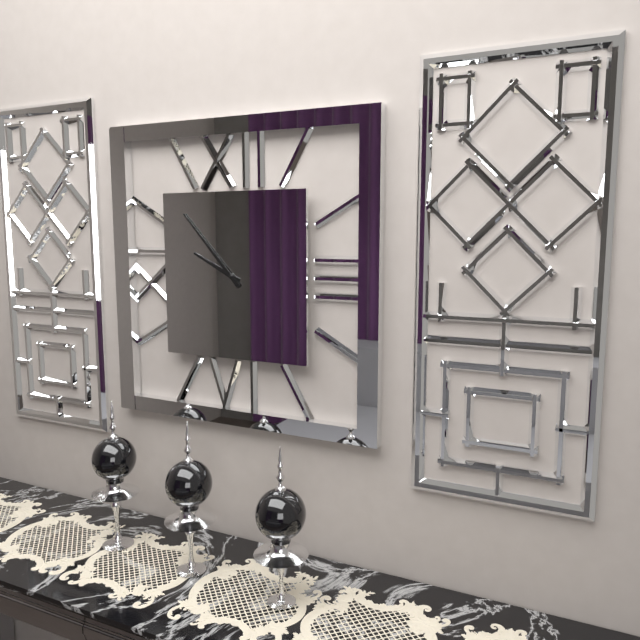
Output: 9h53
